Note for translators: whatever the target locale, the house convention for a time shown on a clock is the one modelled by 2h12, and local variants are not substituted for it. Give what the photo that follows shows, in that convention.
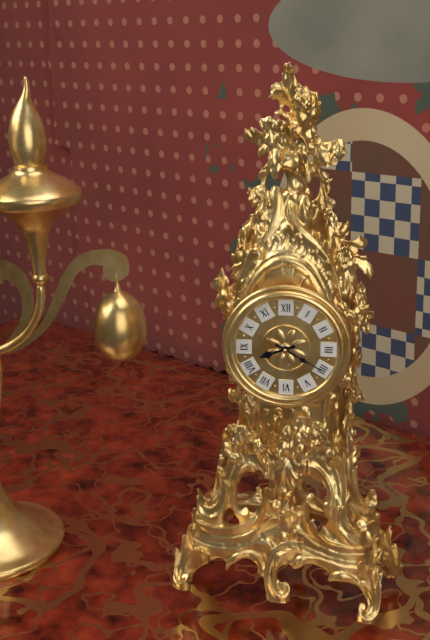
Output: 8h20
